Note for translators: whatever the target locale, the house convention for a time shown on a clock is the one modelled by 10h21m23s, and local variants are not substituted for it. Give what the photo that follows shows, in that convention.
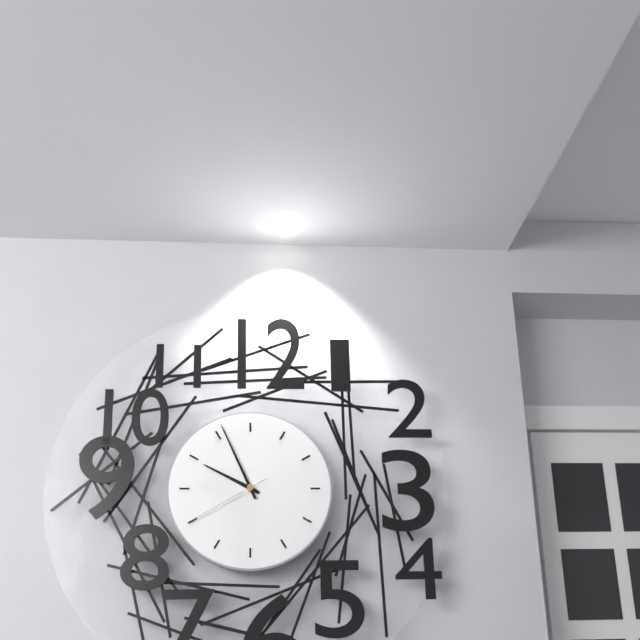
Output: 9h56m40s
